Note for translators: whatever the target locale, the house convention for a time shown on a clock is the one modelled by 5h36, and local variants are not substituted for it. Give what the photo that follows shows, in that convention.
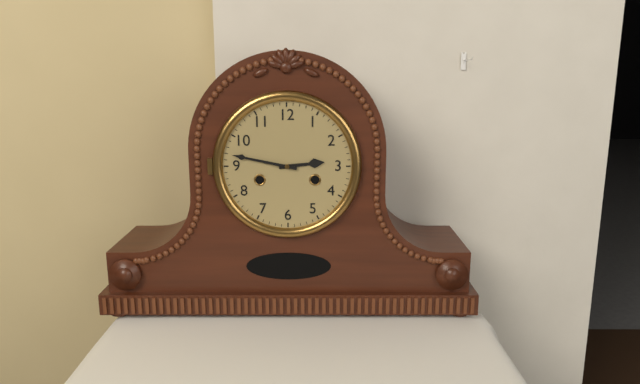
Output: 2h47
